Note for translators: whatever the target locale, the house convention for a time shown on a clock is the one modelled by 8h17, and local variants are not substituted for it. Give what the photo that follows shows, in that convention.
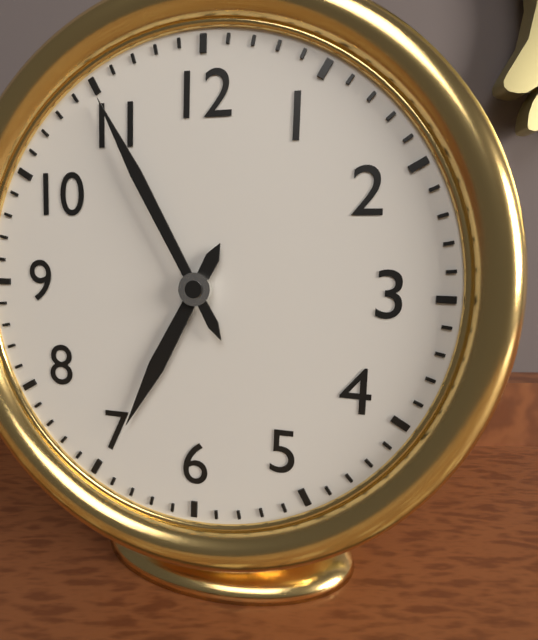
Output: 6h55
